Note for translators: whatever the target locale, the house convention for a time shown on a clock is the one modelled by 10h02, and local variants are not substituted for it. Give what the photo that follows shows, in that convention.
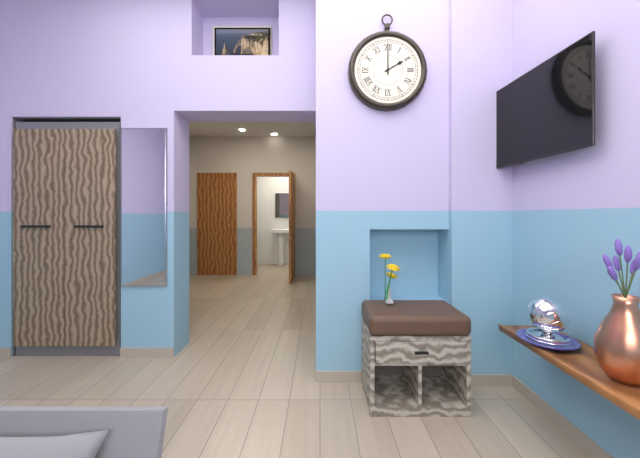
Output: 2h00
